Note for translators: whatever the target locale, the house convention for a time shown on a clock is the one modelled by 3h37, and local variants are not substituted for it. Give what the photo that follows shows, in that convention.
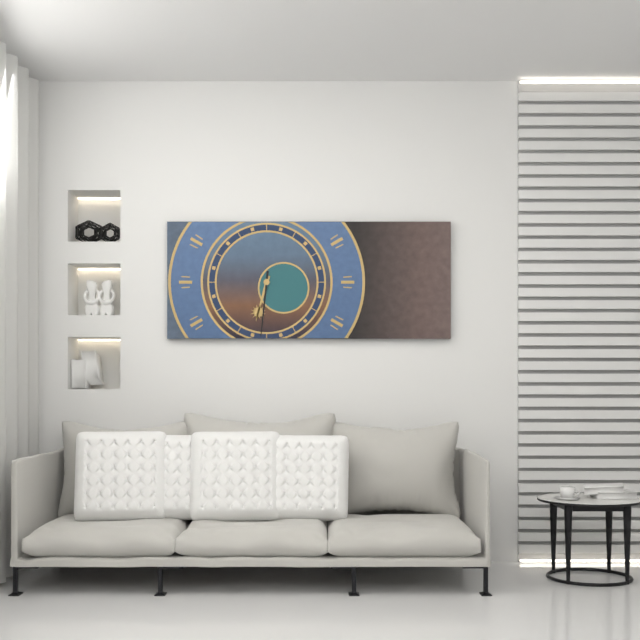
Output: 6h31
